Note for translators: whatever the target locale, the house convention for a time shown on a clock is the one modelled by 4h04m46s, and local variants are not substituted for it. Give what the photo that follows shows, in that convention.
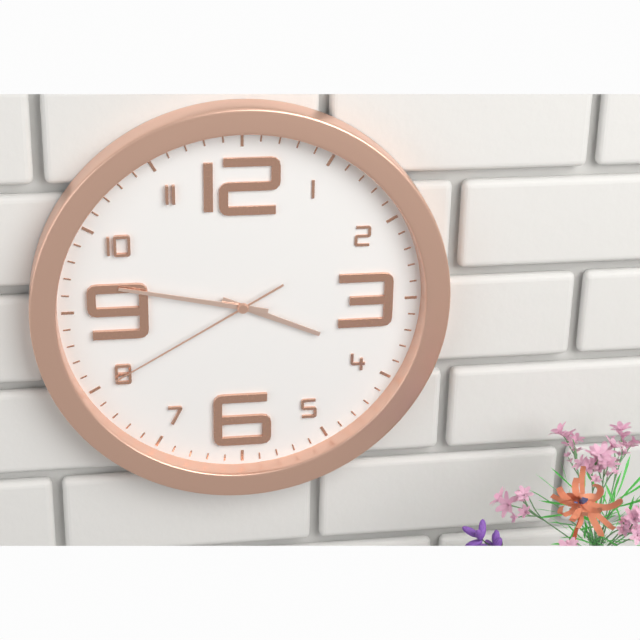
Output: 3h47m40s
